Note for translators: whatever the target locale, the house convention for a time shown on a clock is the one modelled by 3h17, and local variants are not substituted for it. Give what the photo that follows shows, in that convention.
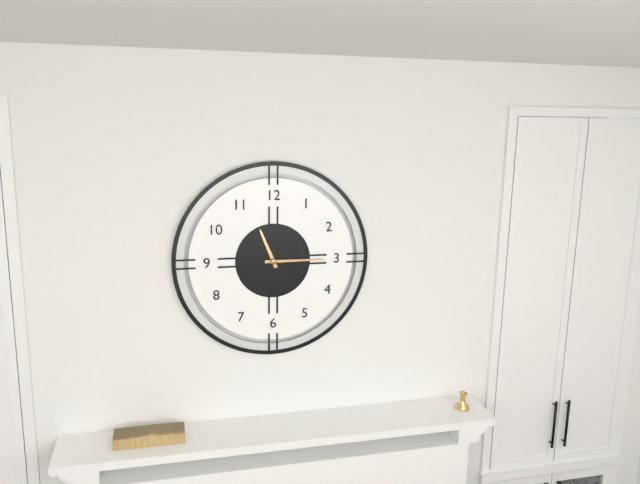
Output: 11h15
